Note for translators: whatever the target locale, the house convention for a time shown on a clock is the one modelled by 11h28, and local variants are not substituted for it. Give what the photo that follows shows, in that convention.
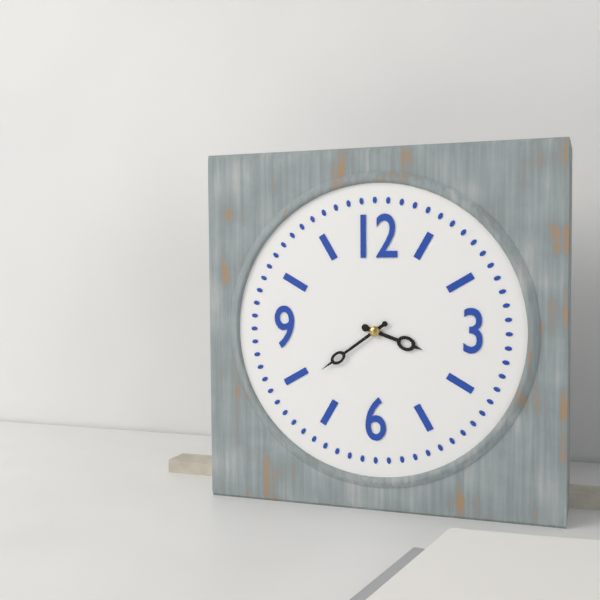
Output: 3h39
